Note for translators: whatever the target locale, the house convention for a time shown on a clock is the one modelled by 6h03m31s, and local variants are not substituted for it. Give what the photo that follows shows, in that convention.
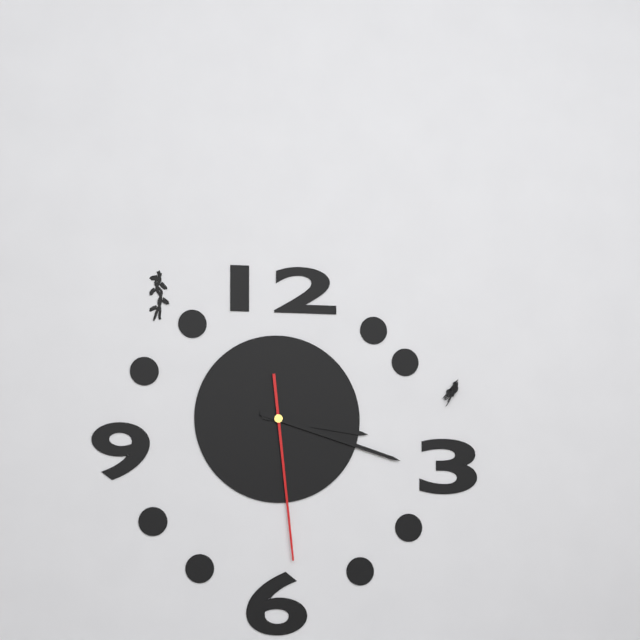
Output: 3h18m29s
